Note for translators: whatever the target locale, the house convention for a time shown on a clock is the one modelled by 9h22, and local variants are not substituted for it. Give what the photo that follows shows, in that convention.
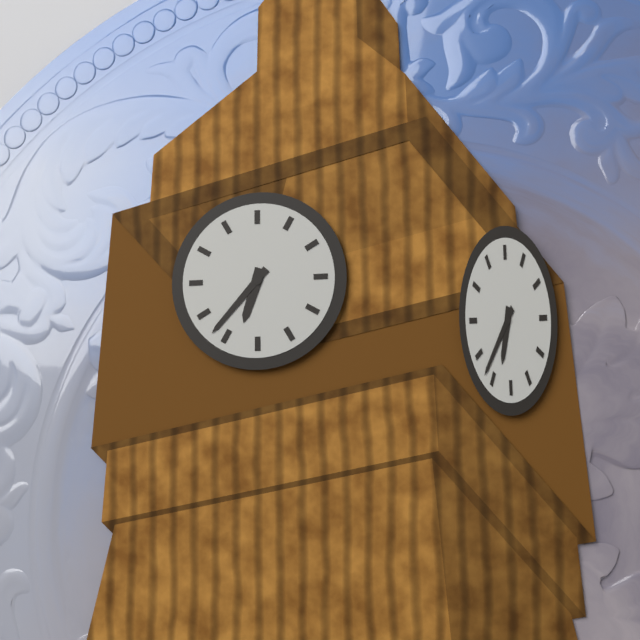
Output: 6h37
